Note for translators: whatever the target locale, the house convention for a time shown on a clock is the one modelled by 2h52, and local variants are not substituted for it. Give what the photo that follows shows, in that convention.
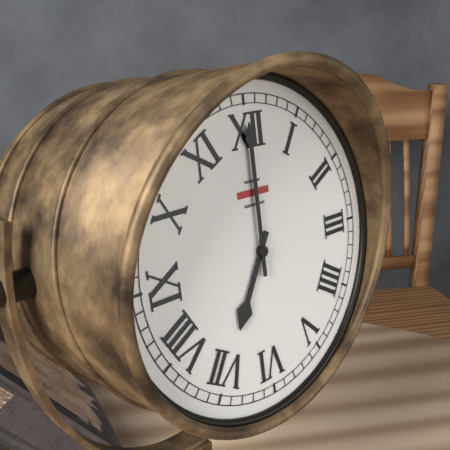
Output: 7h00
